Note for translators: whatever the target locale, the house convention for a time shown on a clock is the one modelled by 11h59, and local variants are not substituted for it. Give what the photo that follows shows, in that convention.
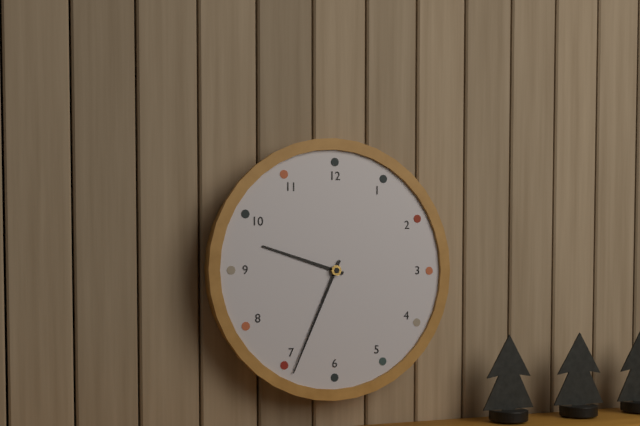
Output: 9h34
